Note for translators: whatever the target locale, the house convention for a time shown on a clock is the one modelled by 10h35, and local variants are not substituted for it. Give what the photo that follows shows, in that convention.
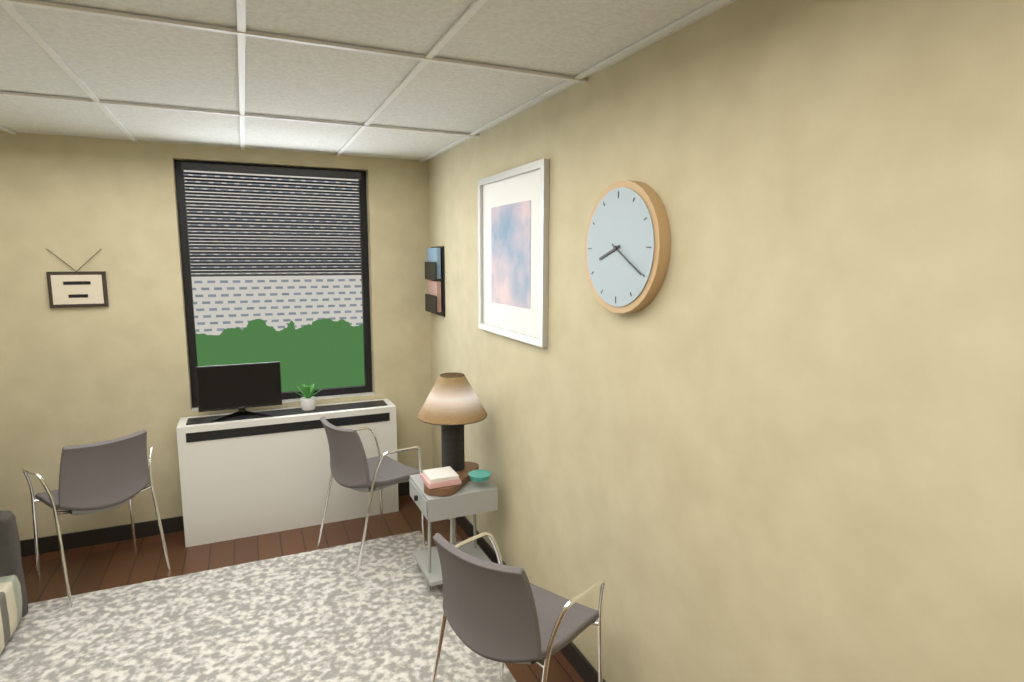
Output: 8h20
